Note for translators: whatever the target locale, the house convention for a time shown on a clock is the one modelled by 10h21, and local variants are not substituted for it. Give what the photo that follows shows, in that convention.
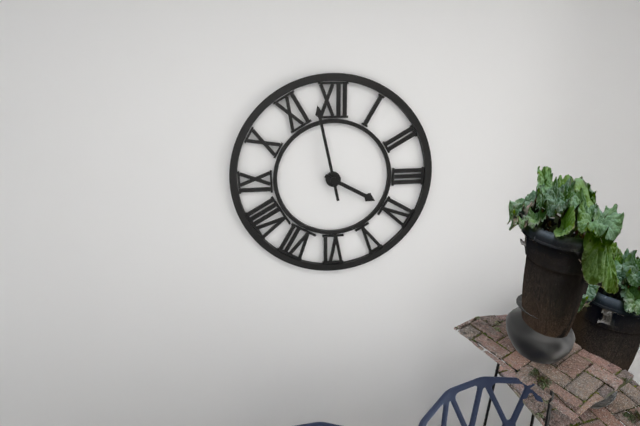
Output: 3h58
